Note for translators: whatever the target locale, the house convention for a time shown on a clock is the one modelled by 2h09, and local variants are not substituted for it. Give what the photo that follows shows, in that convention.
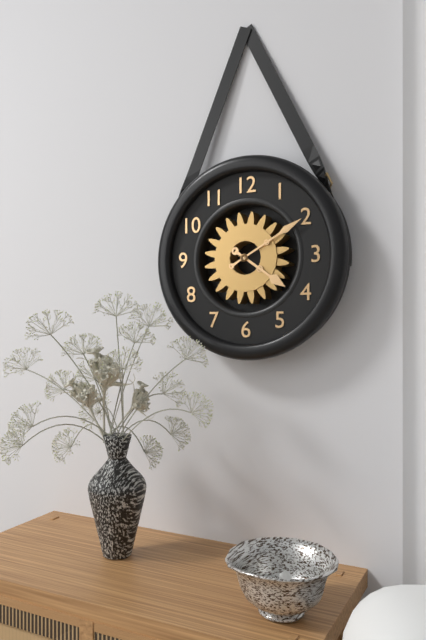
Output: 4h10
